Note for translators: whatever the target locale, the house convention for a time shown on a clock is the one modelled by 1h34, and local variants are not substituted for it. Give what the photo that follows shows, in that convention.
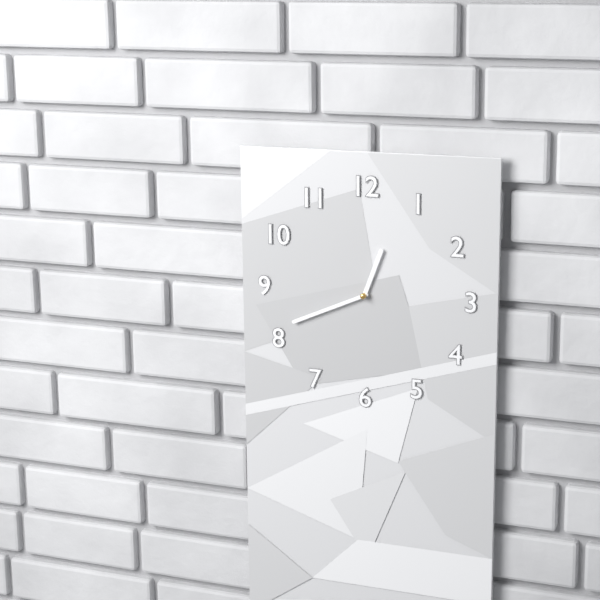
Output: 12h41
